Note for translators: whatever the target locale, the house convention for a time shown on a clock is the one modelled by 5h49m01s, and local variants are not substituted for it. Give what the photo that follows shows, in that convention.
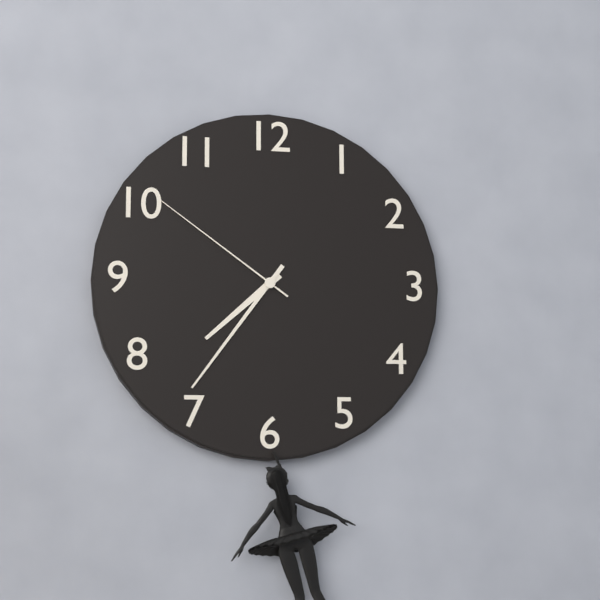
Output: 7h36m51s
